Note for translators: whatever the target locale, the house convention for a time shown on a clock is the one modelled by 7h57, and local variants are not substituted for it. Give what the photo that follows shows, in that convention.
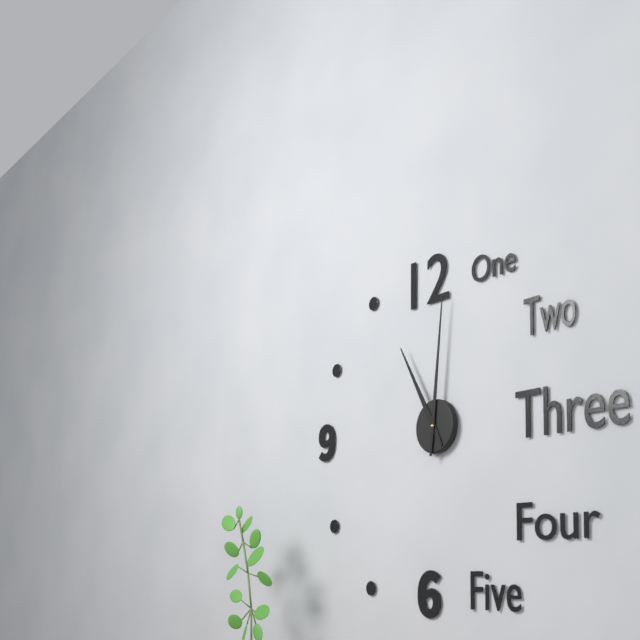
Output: 11h01
